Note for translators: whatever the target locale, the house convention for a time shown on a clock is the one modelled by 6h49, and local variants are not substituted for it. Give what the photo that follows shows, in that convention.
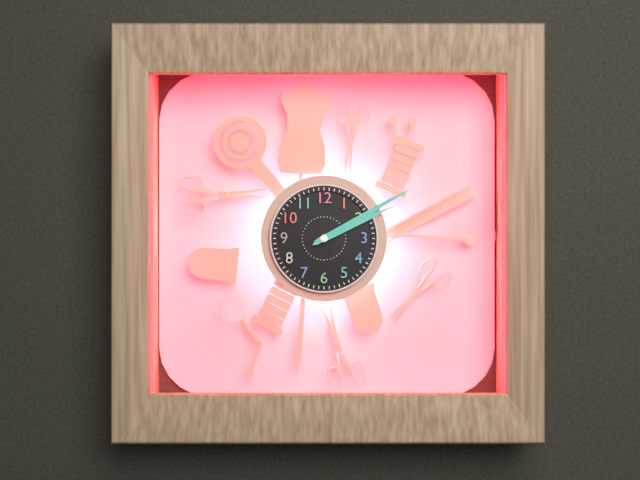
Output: 2h10
